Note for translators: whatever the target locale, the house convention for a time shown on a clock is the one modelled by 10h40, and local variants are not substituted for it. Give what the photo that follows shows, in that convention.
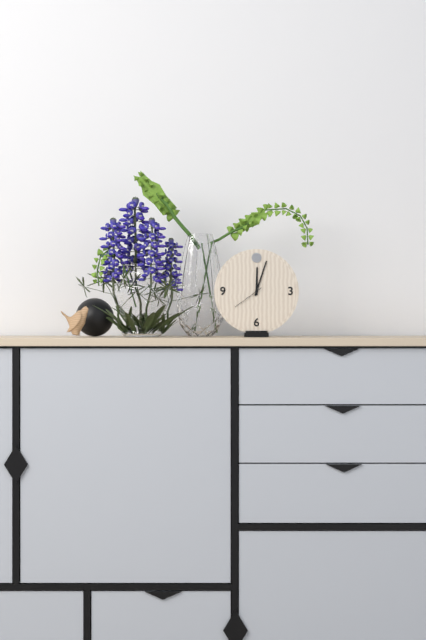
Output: 12h03
